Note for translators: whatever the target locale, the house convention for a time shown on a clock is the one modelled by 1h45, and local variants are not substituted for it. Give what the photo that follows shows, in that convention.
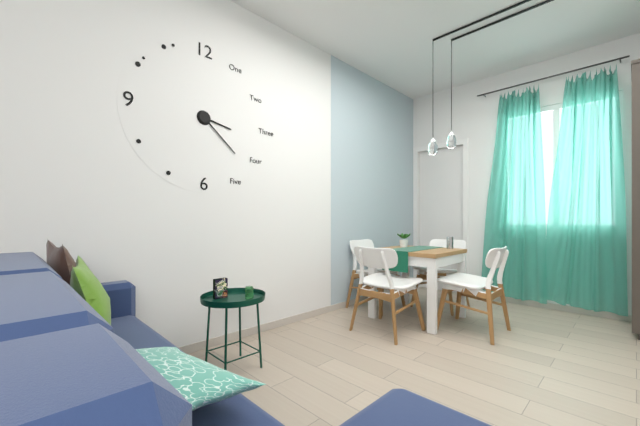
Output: 3h22
